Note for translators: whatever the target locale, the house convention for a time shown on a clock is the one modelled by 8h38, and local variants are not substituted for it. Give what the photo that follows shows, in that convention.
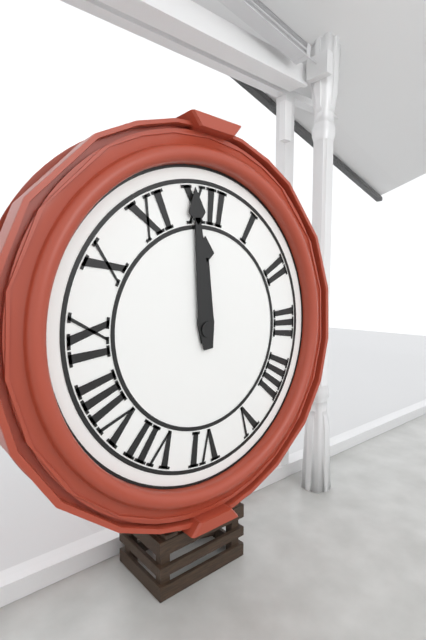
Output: 11h59
